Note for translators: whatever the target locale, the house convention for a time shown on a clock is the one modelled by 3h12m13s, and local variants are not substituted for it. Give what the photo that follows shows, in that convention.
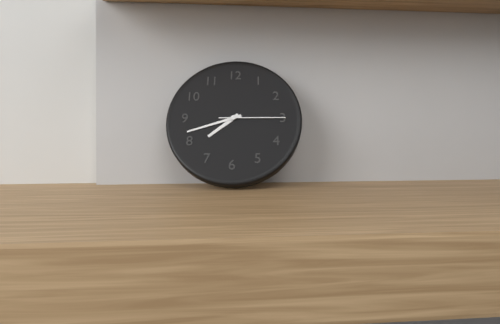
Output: 7h42m15s
